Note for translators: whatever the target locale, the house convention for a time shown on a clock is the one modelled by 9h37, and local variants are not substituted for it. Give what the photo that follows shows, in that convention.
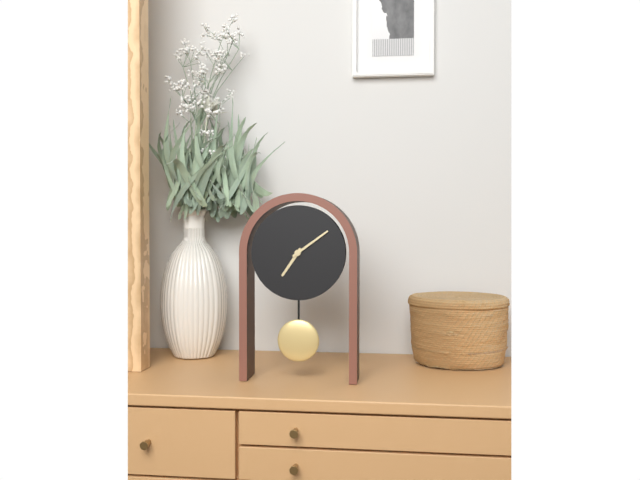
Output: 7h09
